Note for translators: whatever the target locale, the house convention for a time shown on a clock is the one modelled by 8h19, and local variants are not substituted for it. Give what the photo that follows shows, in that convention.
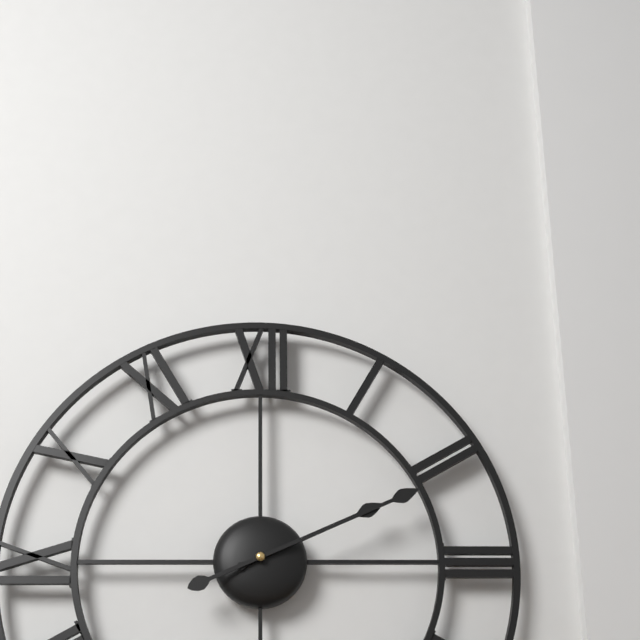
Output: 2h11
